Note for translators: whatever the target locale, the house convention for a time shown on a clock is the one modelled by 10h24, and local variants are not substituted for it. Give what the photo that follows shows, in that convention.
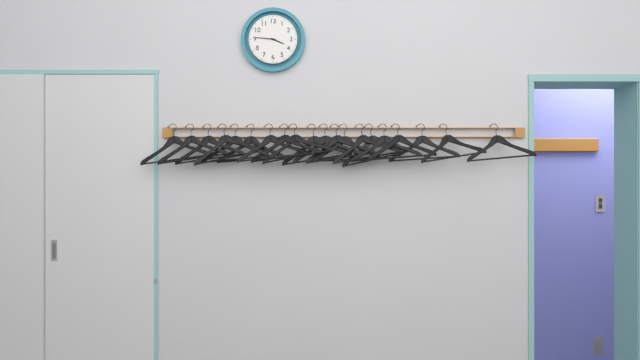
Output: 3h46
